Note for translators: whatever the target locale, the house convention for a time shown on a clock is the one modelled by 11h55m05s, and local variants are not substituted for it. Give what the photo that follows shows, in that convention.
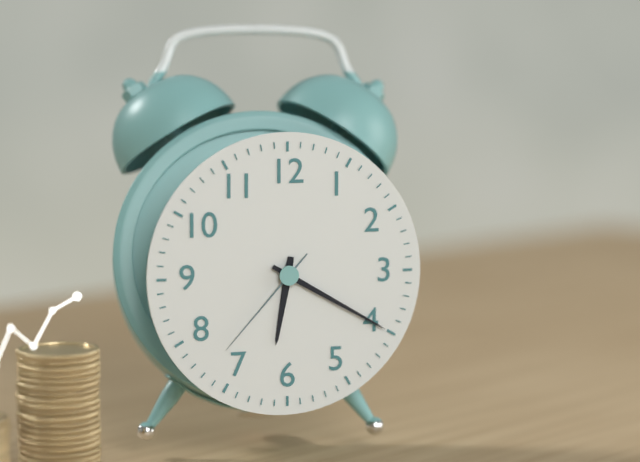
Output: 6h20m37s
